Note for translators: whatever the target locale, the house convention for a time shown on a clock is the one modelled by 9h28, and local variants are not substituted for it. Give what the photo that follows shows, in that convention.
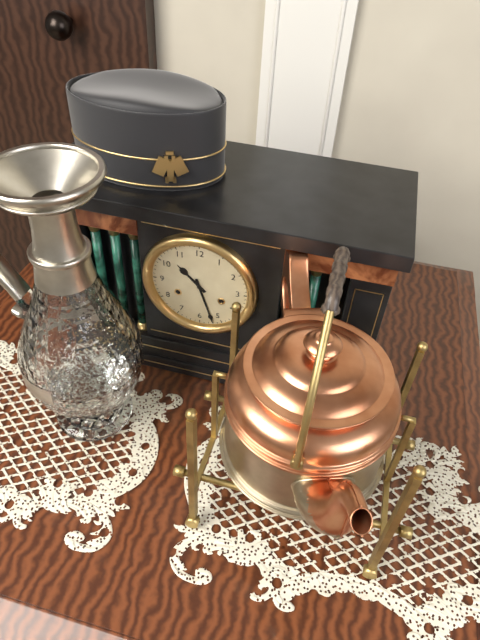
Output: 10h27
